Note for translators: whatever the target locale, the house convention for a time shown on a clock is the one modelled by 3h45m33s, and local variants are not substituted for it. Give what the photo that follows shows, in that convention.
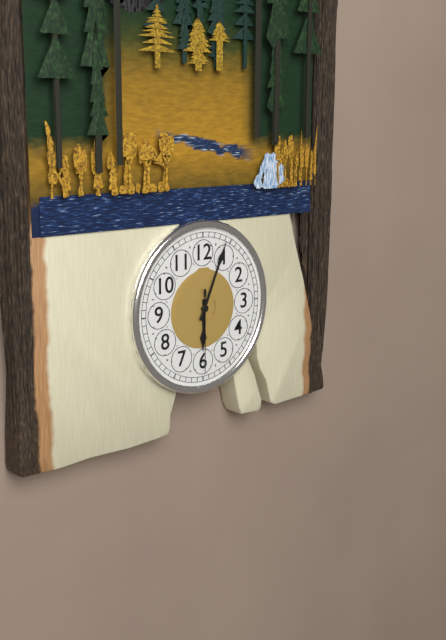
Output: 6h04m30s
